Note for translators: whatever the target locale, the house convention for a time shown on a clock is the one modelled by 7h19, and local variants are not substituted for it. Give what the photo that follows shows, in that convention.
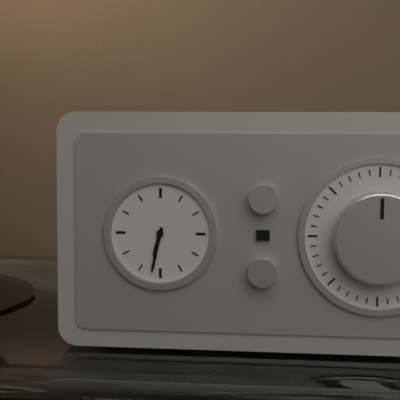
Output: 6h32
